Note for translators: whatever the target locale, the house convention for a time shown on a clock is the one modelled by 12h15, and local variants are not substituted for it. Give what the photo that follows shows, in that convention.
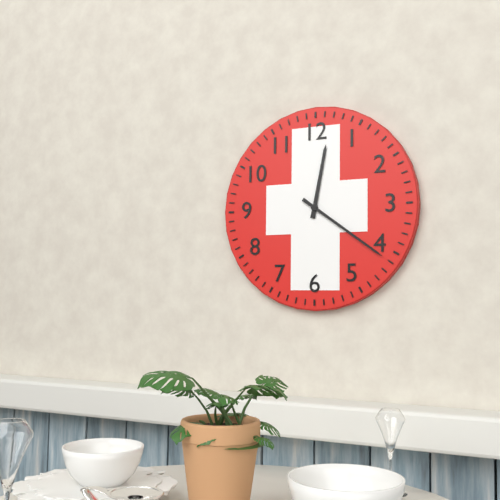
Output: 12h21
